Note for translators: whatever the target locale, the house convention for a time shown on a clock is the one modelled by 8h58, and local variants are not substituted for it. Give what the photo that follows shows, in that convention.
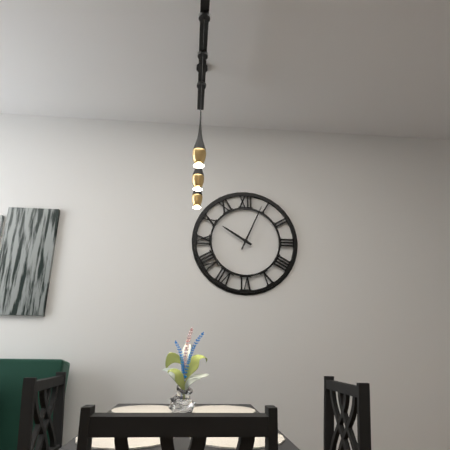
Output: 10h04
